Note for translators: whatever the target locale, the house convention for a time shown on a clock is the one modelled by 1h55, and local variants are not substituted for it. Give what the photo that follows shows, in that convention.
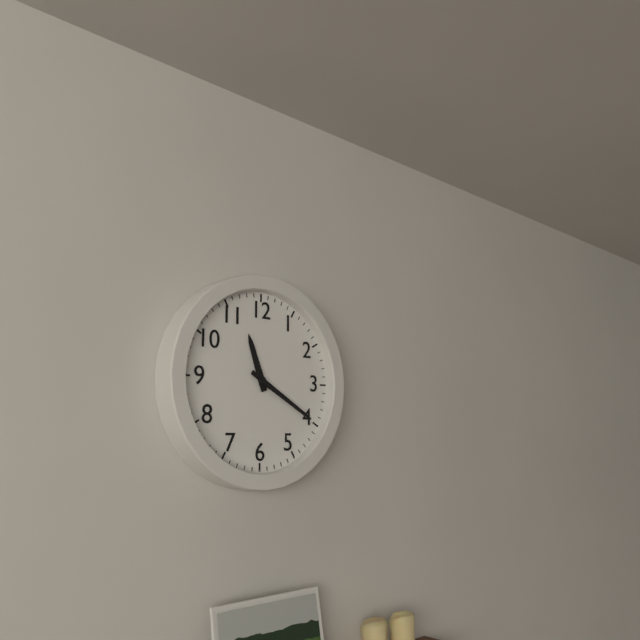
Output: 11h20
